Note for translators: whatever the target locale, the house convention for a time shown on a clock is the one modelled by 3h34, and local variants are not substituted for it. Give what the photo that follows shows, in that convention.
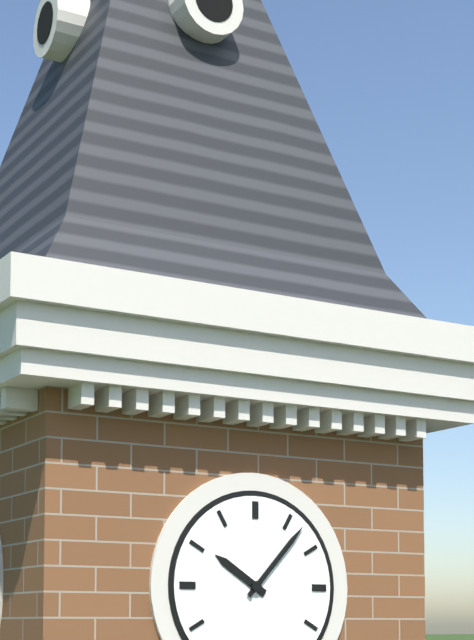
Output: 10h07
